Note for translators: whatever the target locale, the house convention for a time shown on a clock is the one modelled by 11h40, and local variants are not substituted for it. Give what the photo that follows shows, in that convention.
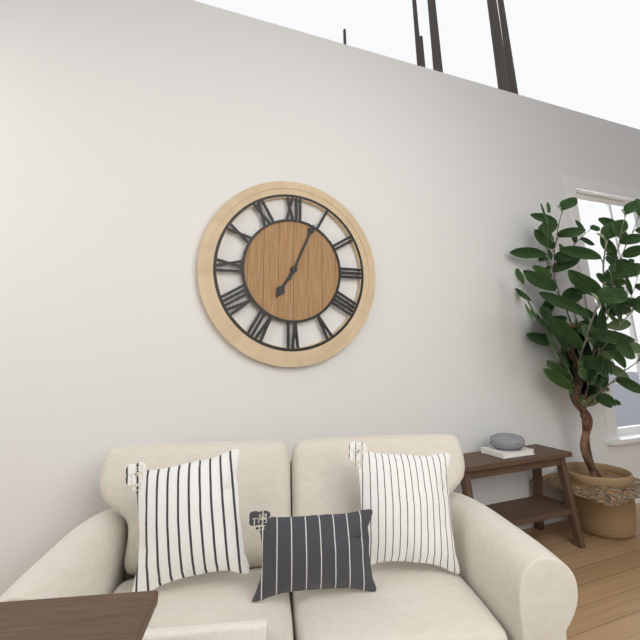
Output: 7h04
